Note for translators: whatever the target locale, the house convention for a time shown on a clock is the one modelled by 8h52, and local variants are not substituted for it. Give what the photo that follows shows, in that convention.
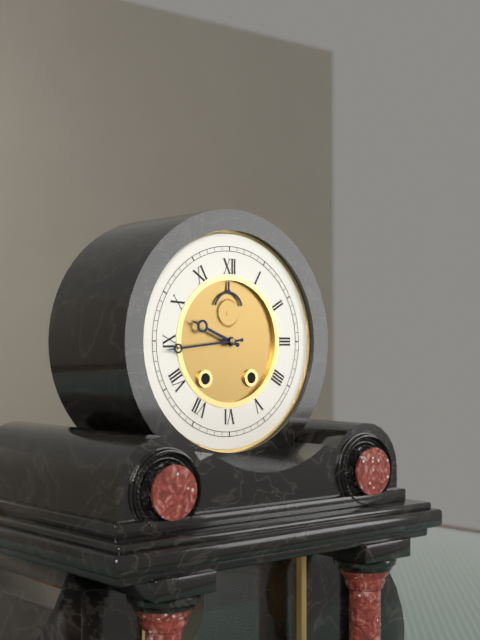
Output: 9h44
